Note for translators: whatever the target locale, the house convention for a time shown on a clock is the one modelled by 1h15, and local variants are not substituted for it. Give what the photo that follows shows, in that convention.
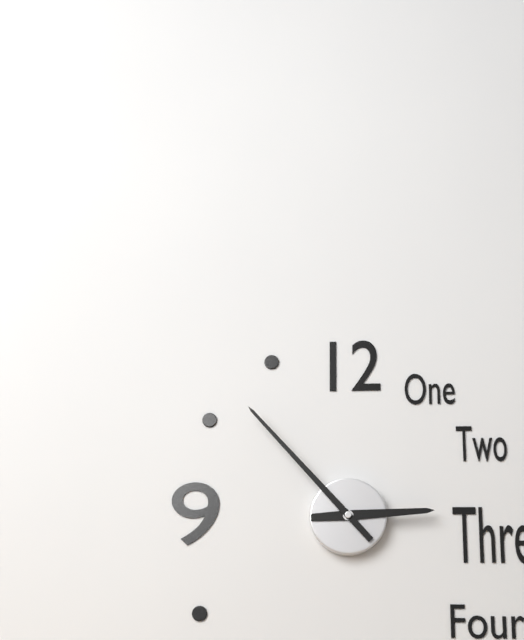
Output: 2h53
